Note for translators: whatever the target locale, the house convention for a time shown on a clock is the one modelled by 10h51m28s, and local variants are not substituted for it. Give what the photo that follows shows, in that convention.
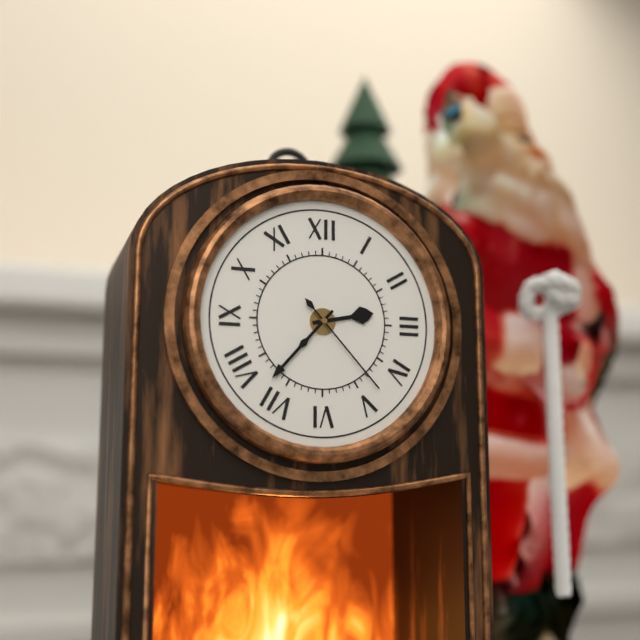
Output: 2h37m23s
